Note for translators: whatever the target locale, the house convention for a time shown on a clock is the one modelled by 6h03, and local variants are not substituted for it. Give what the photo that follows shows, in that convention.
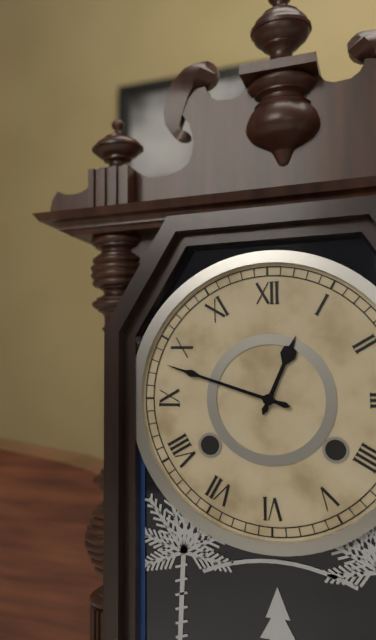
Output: 12h48
